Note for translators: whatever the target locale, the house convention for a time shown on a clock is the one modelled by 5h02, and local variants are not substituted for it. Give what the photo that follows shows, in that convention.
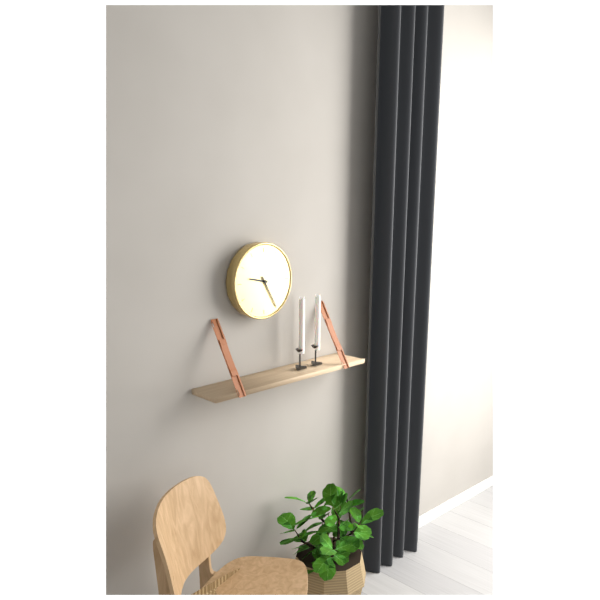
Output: 9h25
